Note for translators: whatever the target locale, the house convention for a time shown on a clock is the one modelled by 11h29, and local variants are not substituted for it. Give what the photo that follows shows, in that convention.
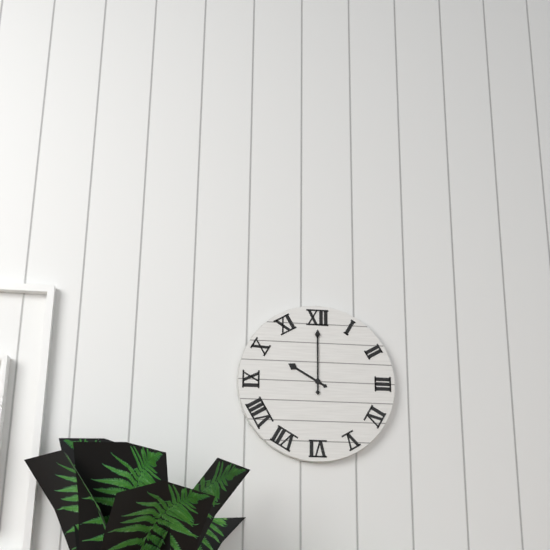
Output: 10h00
